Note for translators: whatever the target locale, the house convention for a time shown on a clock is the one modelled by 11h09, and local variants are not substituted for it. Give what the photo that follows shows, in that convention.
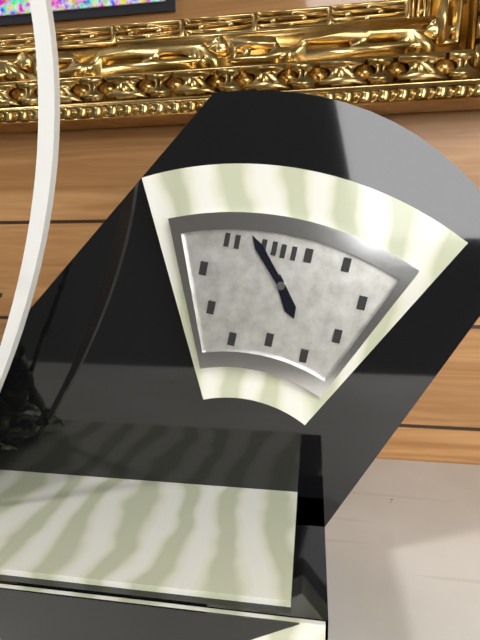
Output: 4h53
